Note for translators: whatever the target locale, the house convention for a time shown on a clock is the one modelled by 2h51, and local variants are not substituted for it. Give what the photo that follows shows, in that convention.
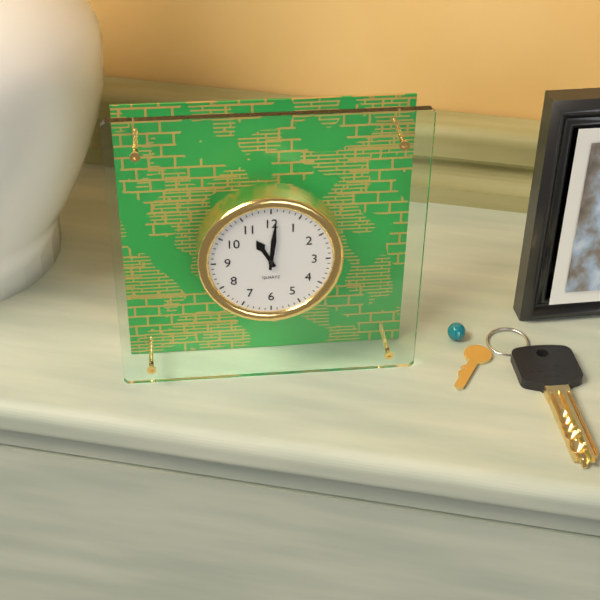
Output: 11h01
